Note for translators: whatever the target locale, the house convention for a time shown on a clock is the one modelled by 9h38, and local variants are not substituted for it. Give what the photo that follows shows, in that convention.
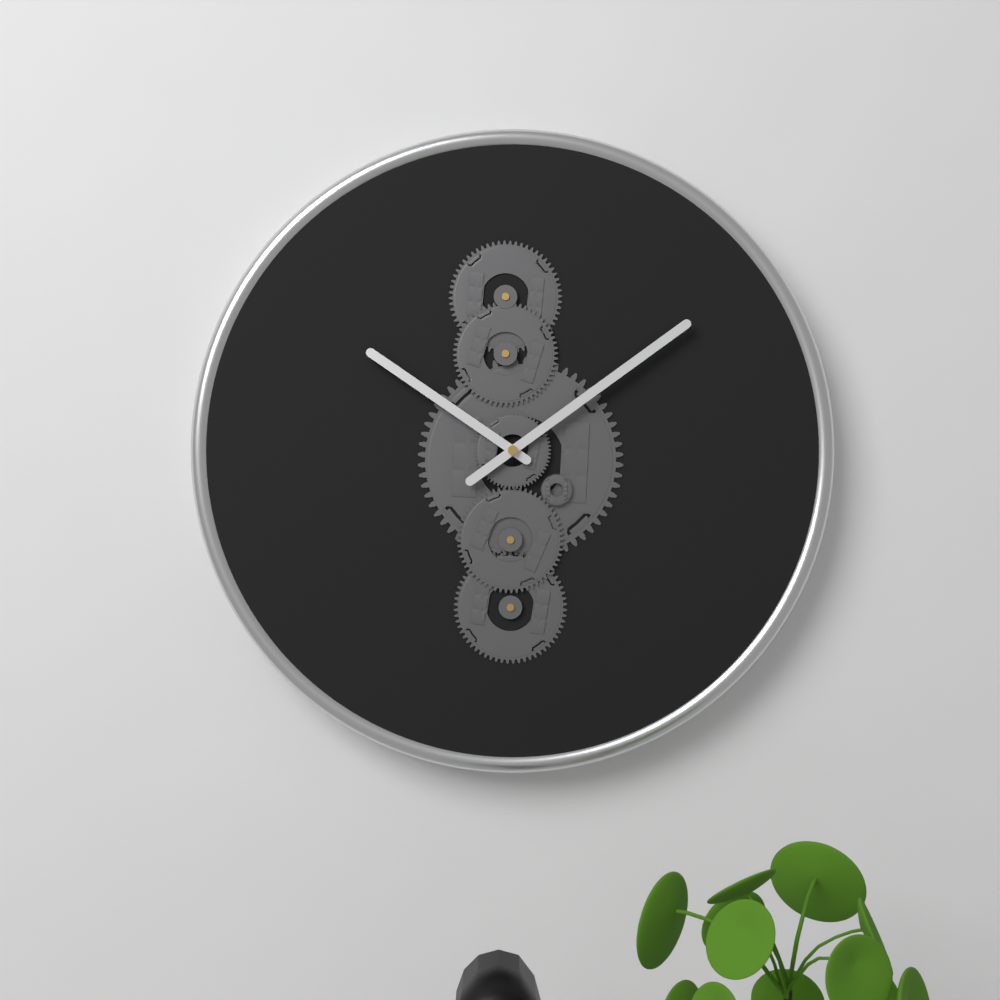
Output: 10h09
